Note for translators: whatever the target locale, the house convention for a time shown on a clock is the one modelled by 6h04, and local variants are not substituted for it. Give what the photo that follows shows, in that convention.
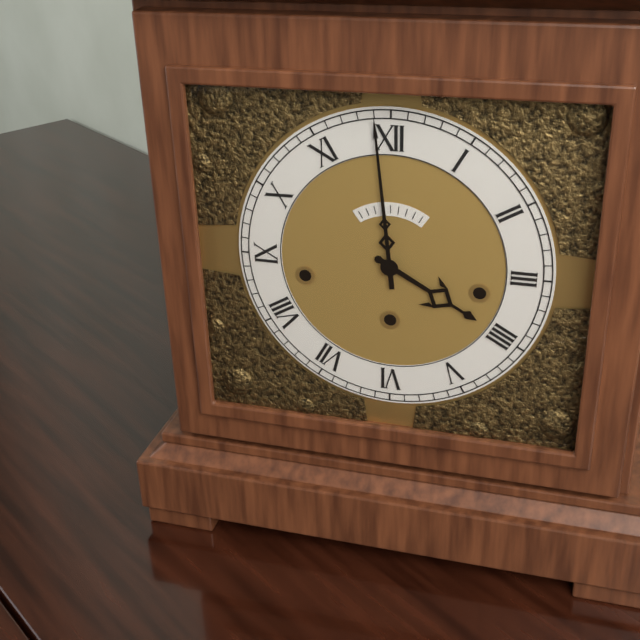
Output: 3h59
